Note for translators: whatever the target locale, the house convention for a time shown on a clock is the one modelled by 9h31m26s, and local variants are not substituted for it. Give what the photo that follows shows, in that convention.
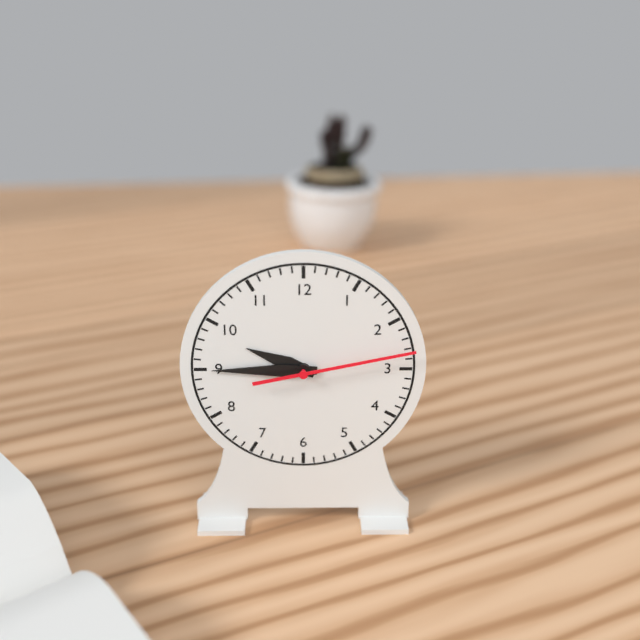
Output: 9h45m13s
